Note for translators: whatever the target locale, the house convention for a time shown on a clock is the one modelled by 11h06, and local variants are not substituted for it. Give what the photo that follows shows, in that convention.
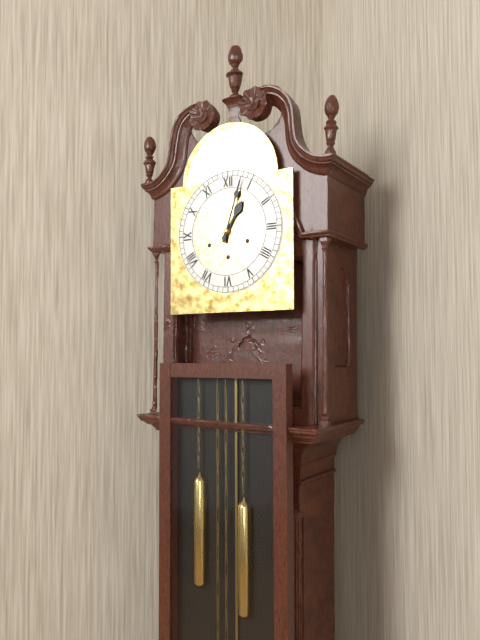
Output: 1h03
